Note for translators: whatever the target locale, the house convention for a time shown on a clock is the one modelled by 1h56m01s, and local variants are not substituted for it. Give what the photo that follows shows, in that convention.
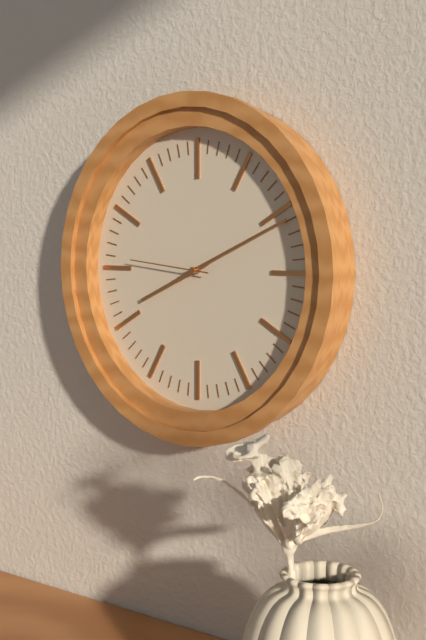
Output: 8h11m46s
